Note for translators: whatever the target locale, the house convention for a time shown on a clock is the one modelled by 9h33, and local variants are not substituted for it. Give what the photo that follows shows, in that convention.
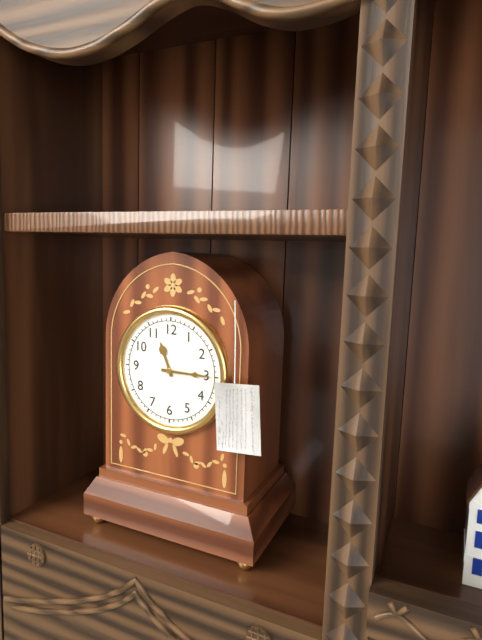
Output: 11h15
